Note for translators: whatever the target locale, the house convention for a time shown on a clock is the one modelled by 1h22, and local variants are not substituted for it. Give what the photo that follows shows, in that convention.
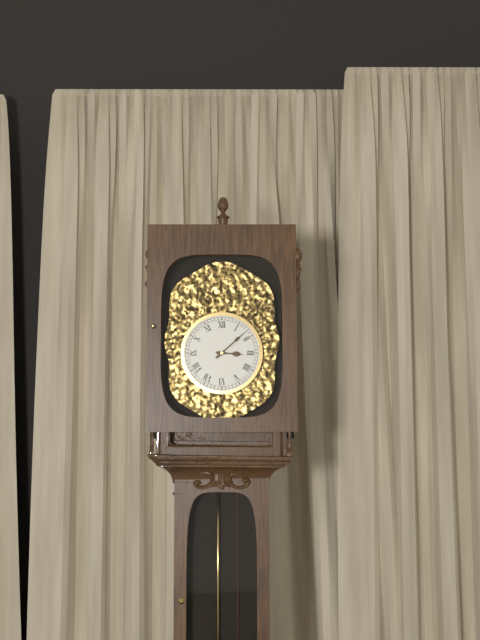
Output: 3h08
